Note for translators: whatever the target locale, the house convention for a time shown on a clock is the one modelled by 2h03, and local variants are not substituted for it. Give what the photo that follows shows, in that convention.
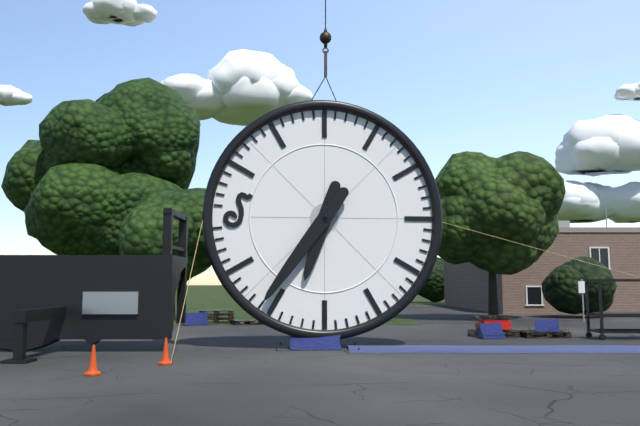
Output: 6h36
